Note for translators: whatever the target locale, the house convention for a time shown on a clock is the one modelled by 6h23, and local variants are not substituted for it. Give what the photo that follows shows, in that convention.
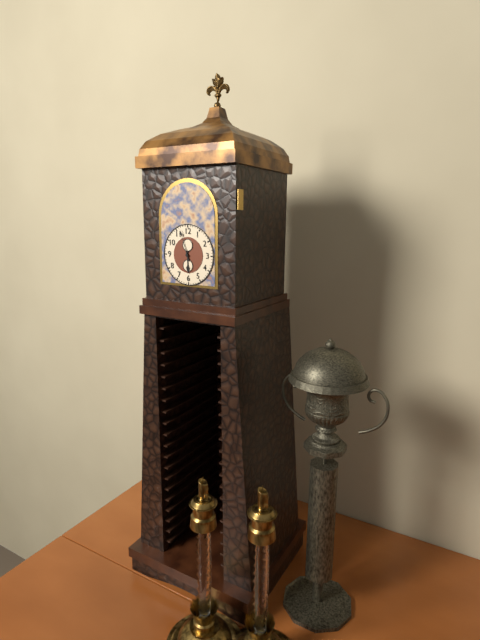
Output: 5h57
